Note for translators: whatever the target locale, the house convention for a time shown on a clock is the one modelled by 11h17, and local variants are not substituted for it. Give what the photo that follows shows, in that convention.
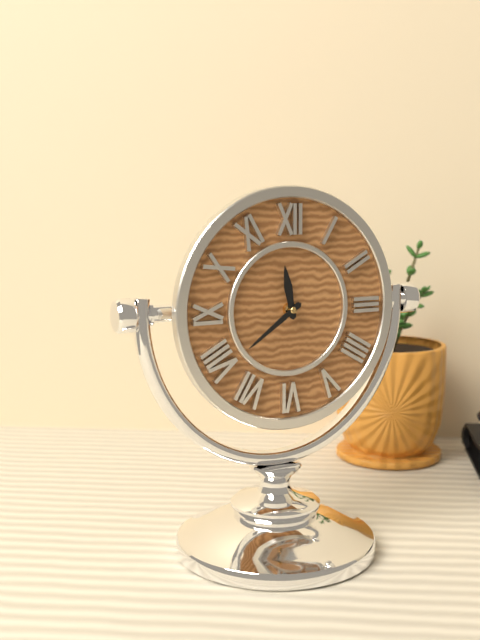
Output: 11h39
